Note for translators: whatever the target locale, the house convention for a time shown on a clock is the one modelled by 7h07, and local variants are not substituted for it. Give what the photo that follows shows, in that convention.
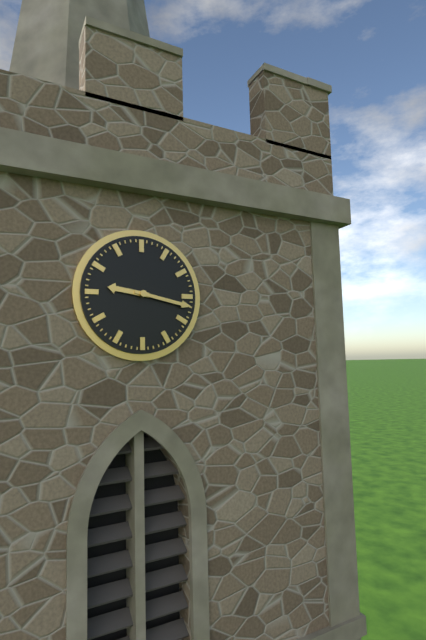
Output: 9h17
